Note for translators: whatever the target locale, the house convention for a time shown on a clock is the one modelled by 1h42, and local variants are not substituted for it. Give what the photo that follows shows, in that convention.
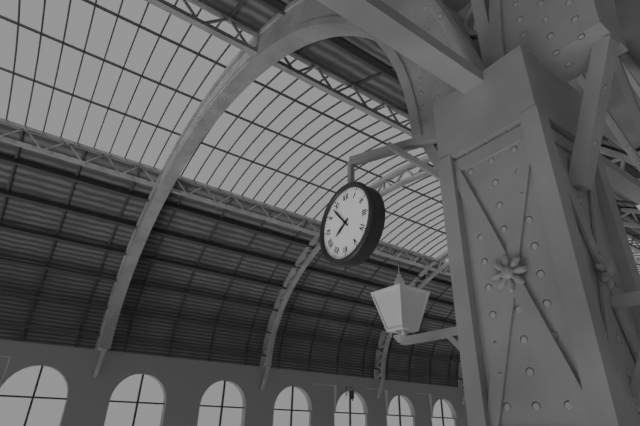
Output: 7h53
